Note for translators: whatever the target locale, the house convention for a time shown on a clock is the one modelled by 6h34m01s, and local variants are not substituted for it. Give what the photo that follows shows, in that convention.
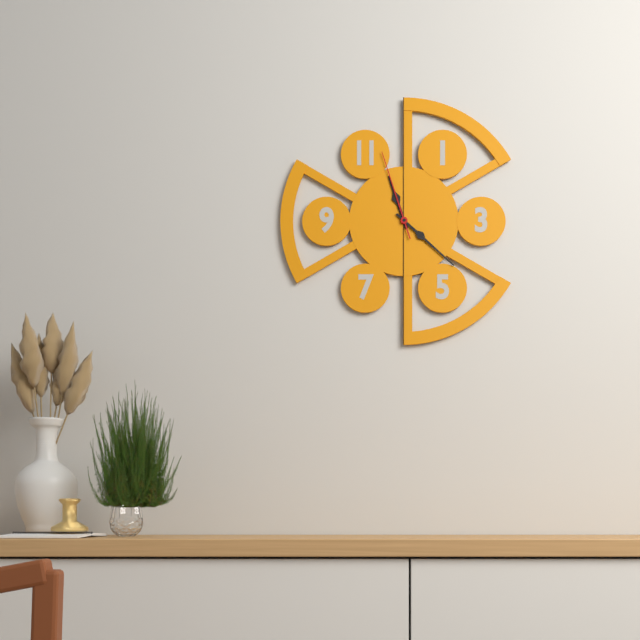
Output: 11h22m57s
